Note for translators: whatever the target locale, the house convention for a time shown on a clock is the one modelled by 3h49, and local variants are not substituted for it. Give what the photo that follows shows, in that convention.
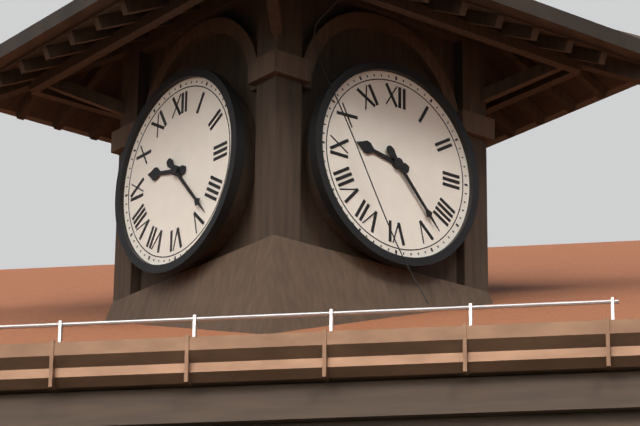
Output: 9h23
